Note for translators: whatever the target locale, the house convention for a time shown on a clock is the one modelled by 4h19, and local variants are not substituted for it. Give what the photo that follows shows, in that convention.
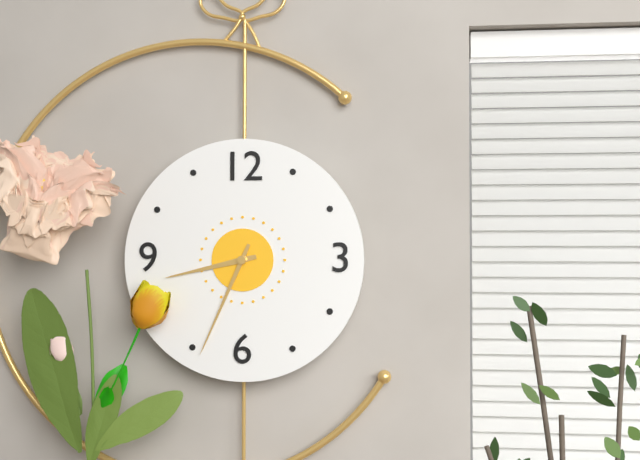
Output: 8h34
